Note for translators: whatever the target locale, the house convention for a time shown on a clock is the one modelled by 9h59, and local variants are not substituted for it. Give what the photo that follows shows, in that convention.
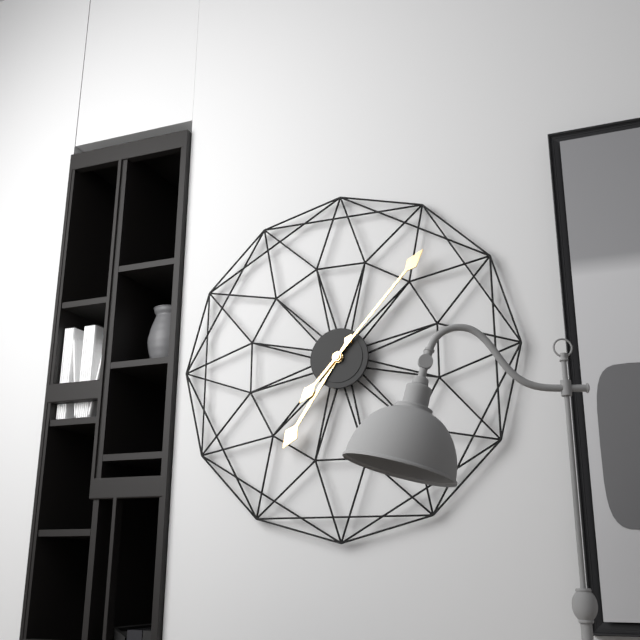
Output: 7h07
